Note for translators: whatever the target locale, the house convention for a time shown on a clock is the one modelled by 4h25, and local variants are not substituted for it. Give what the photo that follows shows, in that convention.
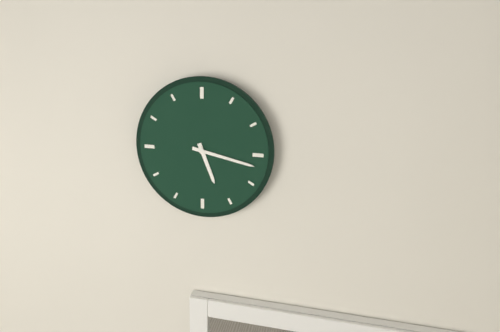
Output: 5h17
